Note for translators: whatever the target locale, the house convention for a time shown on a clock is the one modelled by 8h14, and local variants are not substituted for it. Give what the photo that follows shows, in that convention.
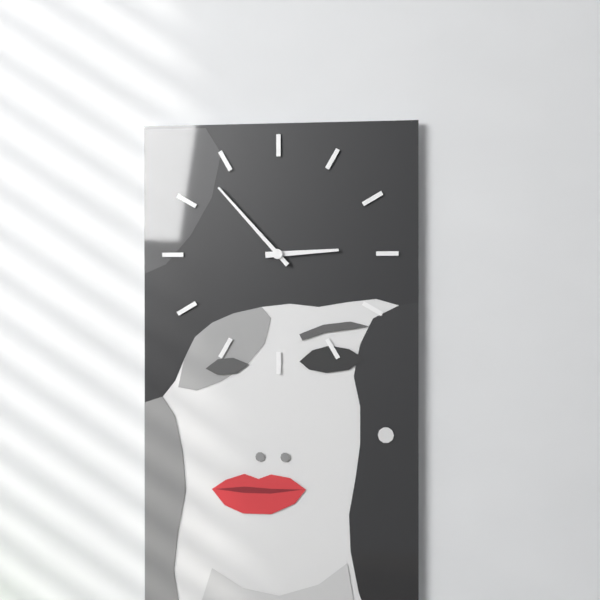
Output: 2h53
